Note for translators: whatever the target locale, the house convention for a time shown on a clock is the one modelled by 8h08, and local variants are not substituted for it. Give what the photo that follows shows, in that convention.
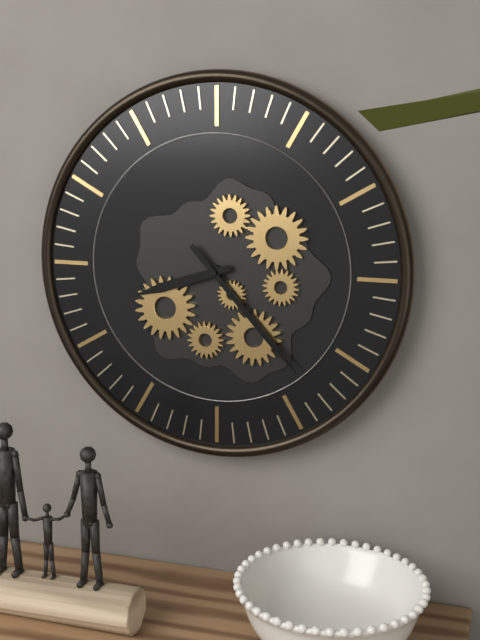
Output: 8h23
